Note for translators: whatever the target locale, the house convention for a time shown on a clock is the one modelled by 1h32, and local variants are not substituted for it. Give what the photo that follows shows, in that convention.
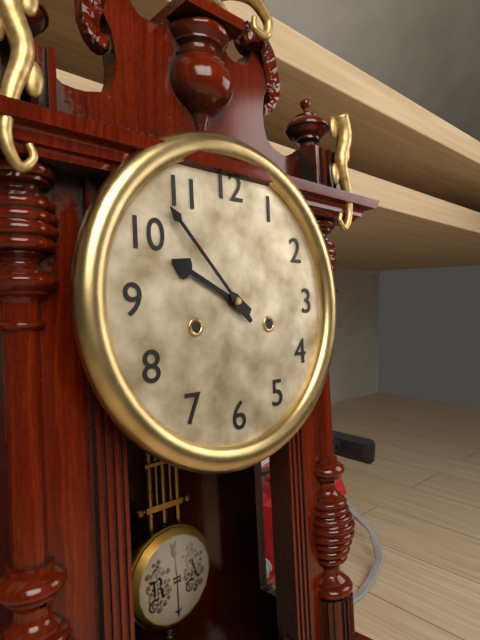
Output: 9h53
